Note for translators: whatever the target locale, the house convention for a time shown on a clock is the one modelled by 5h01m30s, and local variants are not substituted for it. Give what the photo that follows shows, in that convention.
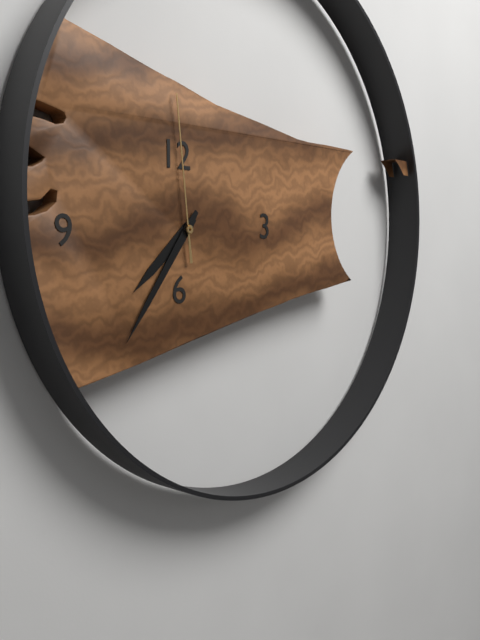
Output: 7h36m59s
